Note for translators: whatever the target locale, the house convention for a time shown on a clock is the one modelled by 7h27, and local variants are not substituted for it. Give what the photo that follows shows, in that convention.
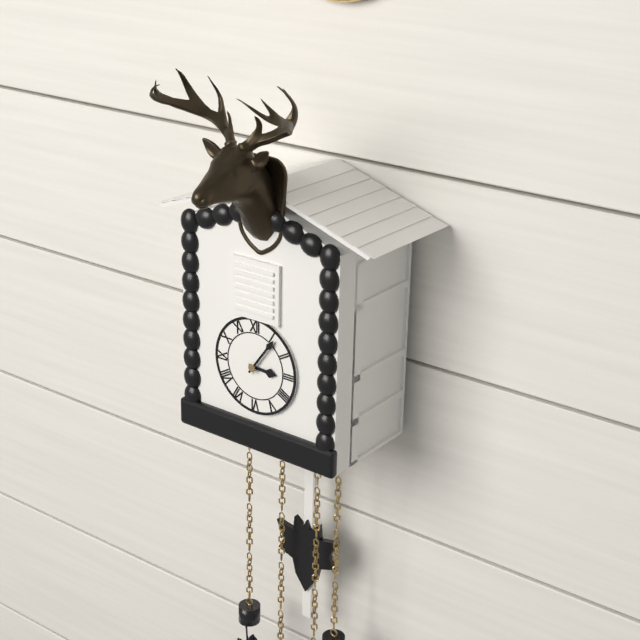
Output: 3h06
